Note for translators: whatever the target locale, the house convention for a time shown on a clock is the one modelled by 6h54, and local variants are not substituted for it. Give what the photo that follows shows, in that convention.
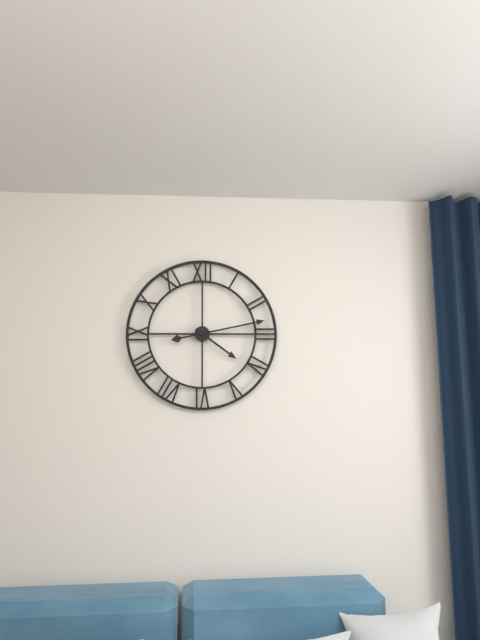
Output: 4h13
